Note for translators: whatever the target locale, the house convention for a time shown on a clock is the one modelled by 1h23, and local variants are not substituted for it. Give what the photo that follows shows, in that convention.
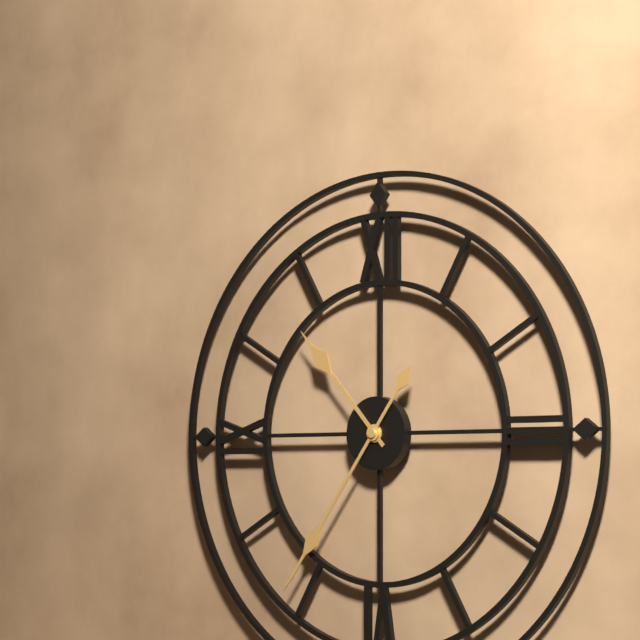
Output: 10h36
